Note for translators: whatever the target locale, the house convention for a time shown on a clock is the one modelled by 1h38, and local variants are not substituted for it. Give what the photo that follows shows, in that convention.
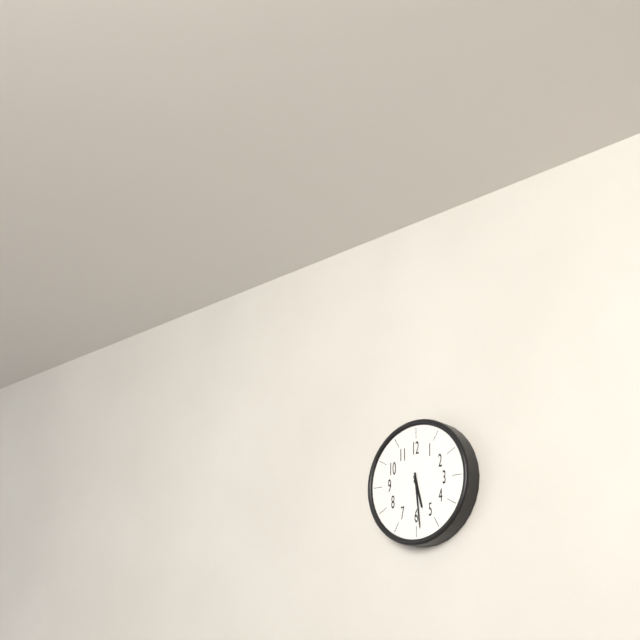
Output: 5h29
